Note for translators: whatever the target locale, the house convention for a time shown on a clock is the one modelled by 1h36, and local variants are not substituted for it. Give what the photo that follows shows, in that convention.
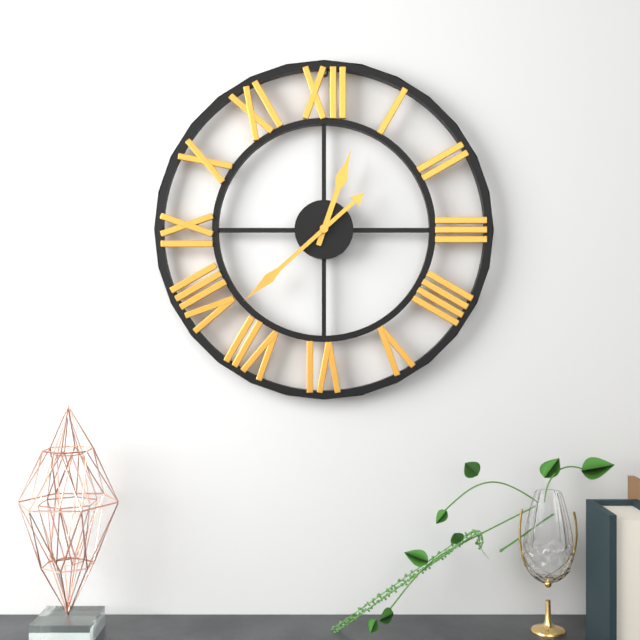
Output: 12h38
